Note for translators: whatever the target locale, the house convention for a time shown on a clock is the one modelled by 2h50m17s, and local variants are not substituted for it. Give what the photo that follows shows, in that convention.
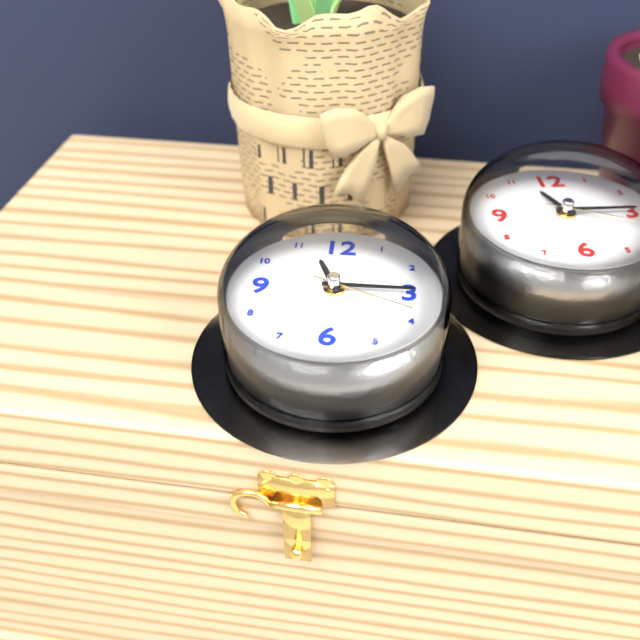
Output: 11h15m19s
